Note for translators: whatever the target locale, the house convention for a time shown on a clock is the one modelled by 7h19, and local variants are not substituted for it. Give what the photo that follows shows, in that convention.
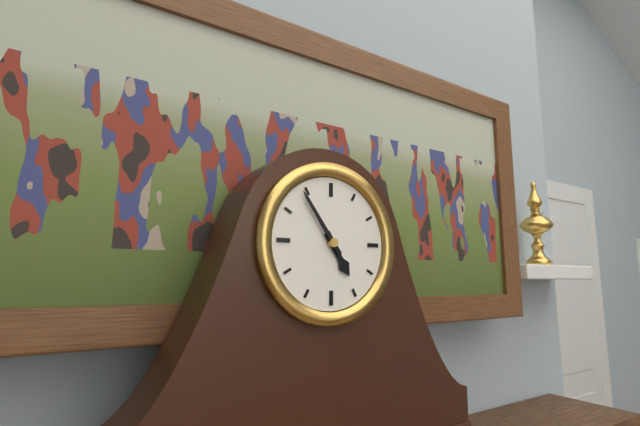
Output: 4h54
